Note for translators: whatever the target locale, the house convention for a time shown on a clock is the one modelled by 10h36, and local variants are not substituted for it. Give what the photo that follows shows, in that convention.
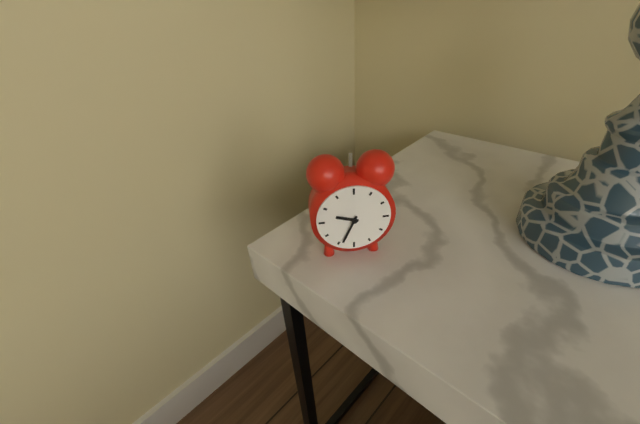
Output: 9h34
